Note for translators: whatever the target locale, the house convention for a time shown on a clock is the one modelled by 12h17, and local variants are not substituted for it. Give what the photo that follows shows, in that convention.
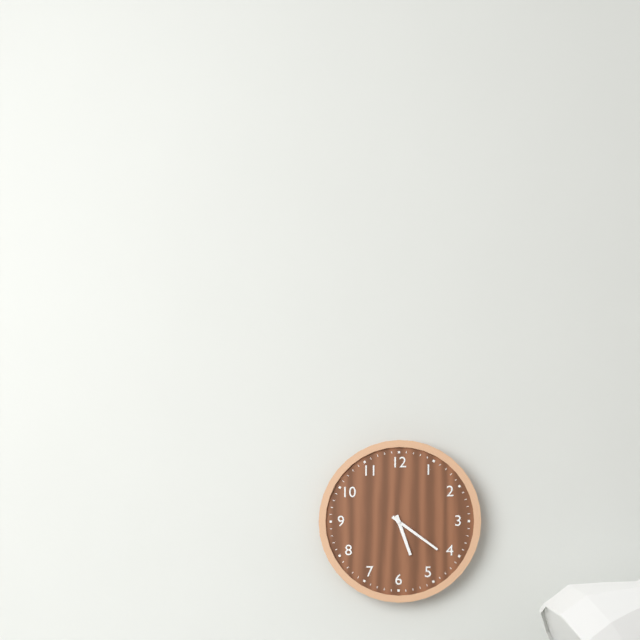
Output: 5h21
